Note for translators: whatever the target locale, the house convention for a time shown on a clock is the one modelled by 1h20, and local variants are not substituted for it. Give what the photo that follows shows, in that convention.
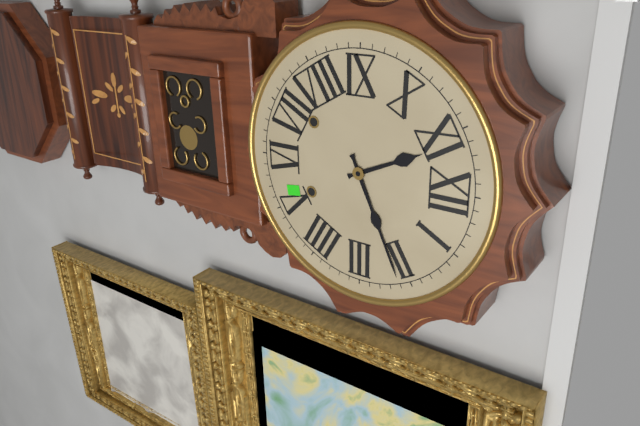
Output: 11h11
